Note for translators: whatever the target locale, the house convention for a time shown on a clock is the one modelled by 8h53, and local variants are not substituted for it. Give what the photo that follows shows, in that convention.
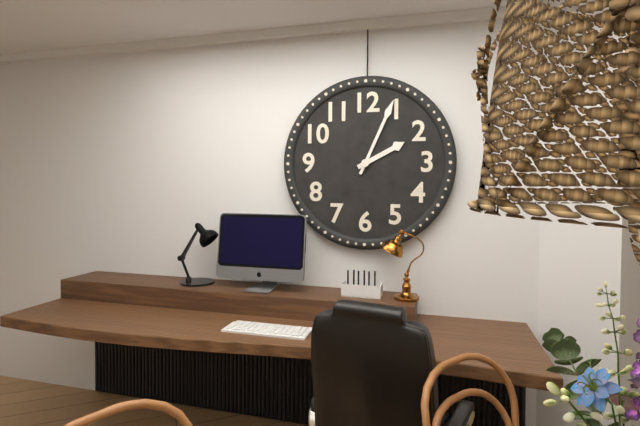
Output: 2h04
